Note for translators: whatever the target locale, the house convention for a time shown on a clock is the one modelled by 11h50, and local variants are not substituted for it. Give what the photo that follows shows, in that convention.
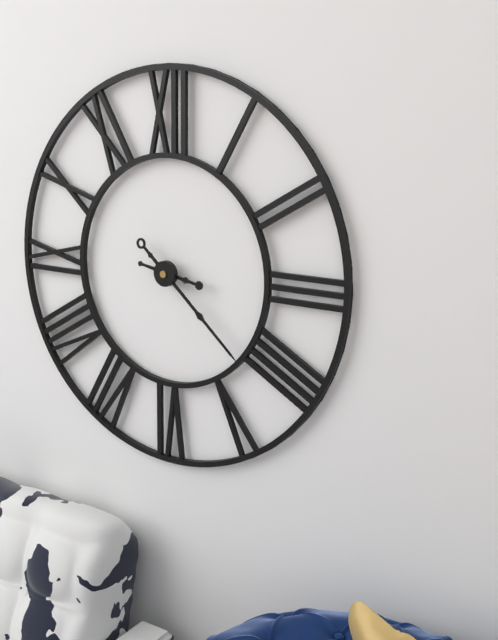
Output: 3h22
